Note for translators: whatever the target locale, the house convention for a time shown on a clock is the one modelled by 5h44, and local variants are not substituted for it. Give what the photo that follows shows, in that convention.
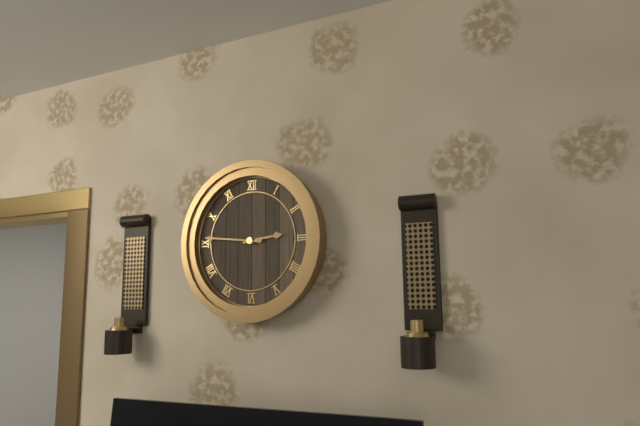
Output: 2h46
